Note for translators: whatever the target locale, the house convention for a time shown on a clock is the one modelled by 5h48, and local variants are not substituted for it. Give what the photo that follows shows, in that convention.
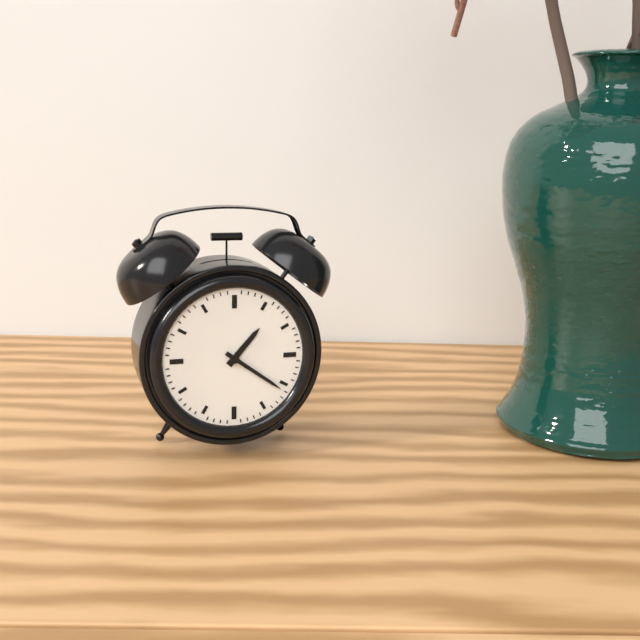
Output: 1h21
